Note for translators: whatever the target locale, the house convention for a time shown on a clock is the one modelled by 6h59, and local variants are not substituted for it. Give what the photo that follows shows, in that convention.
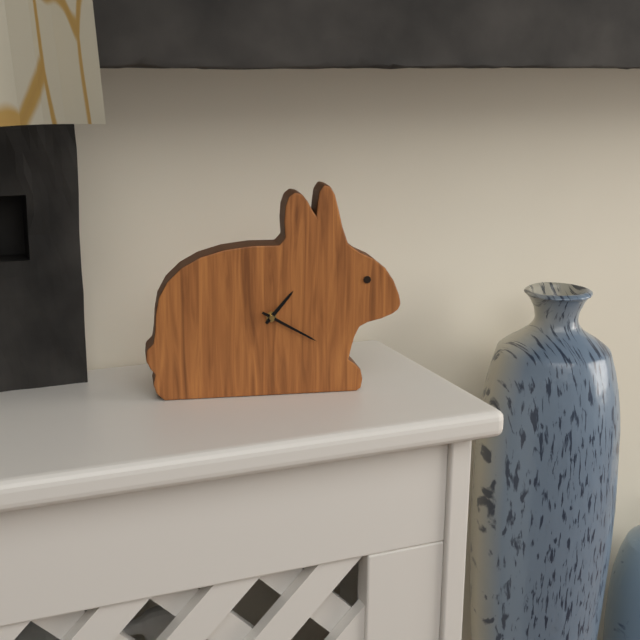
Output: 1h20
